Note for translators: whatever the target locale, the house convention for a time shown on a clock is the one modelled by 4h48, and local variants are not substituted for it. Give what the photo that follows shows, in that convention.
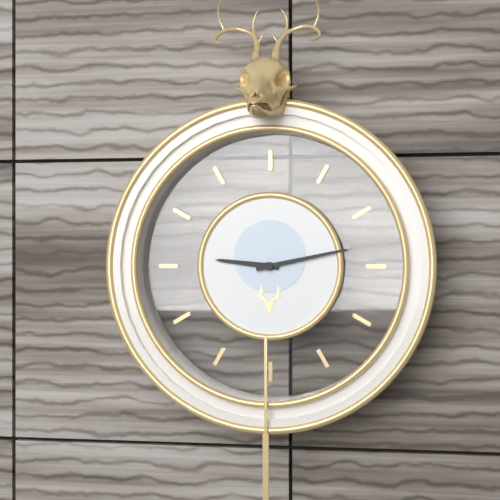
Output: 9h13
